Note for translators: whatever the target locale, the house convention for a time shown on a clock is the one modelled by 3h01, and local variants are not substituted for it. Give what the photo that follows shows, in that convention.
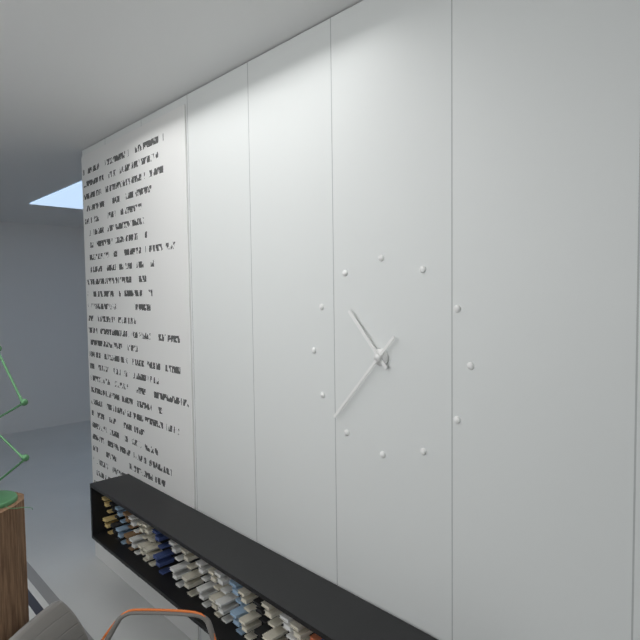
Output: 10h37
